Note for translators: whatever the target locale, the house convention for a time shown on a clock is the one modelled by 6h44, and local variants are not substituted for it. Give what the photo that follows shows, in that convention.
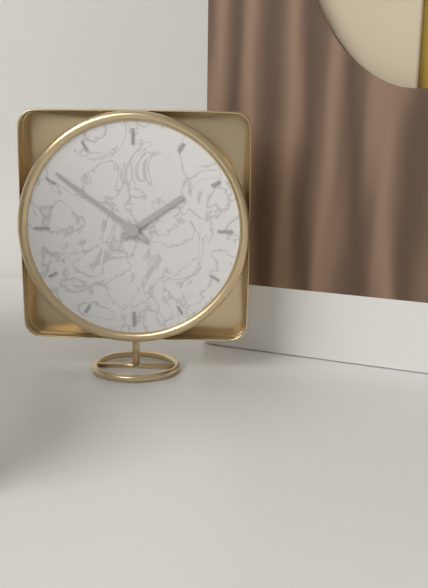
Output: 1h51
